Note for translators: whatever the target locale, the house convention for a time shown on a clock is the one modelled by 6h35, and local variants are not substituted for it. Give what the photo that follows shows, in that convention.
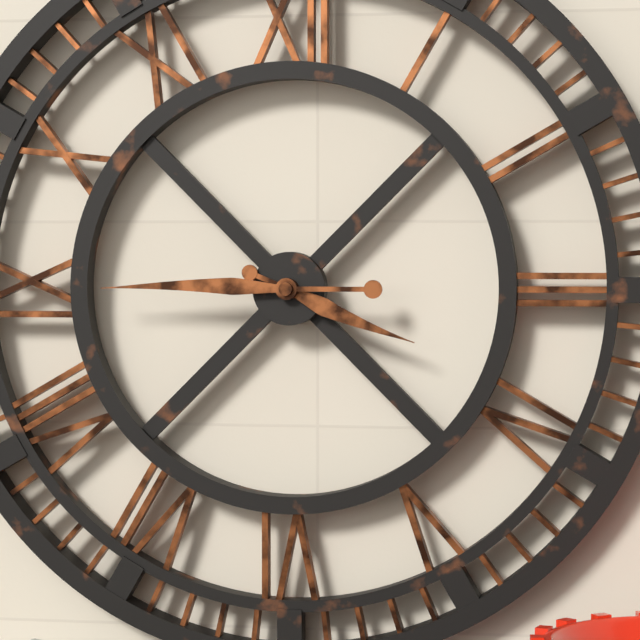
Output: 3h45
